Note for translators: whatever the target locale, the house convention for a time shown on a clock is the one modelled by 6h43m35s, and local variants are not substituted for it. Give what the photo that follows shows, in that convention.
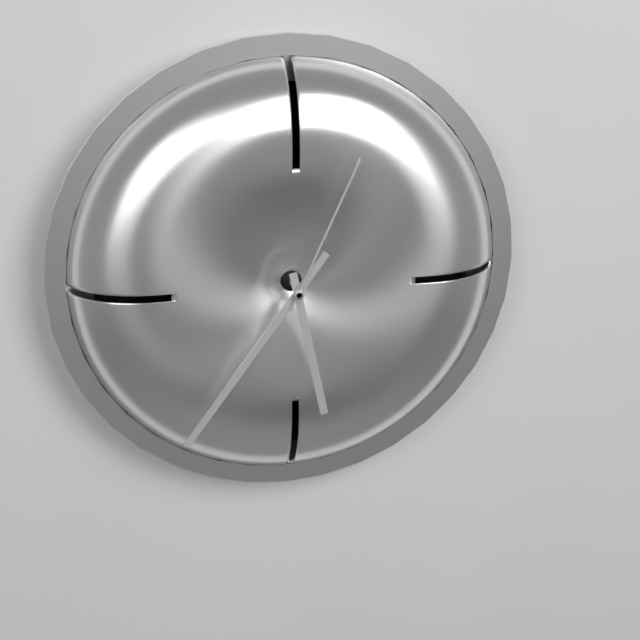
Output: 5h36m04s
